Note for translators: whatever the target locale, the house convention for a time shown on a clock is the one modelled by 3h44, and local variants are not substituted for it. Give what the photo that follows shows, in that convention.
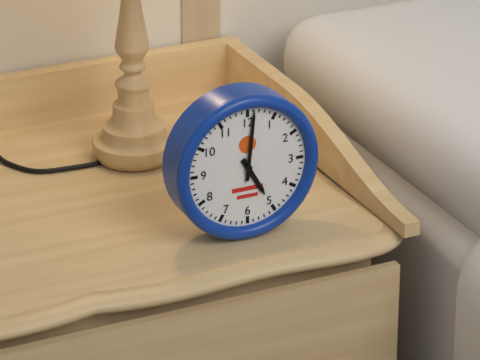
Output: 5h01
